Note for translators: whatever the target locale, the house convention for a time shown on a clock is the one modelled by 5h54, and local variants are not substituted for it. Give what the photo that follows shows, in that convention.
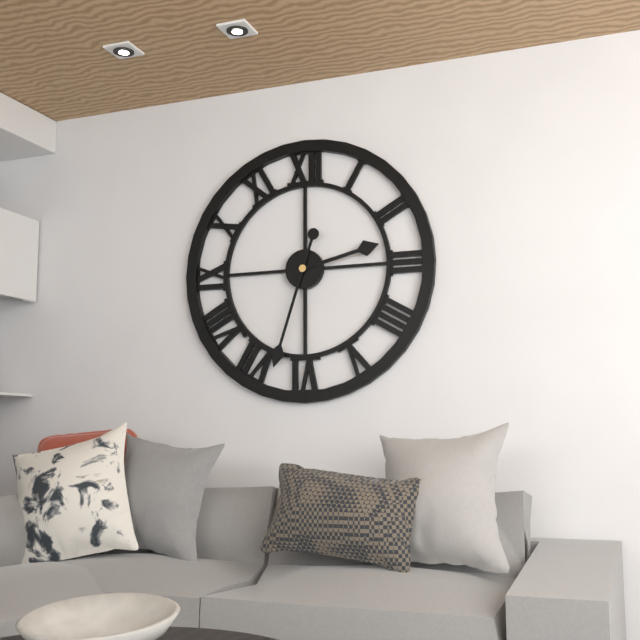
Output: 2h33
